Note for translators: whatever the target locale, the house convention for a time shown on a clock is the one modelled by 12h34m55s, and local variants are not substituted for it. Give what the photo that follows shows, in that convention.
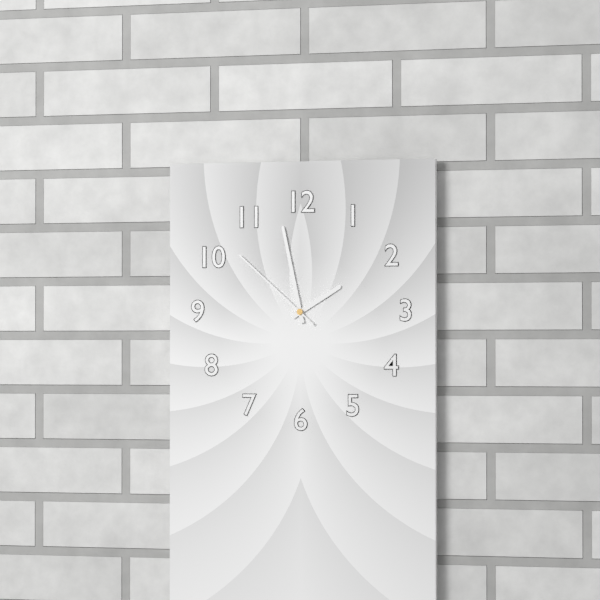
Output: 1h58m52s
